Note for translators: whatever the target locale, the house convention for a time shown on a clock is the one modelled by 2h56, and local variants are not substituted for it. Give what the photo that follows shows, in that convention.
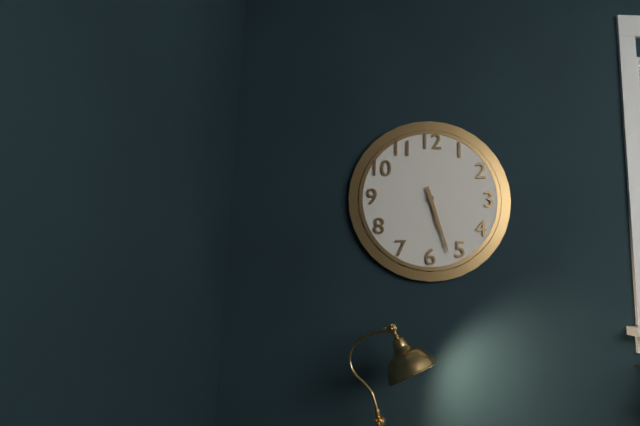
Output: 5h27
